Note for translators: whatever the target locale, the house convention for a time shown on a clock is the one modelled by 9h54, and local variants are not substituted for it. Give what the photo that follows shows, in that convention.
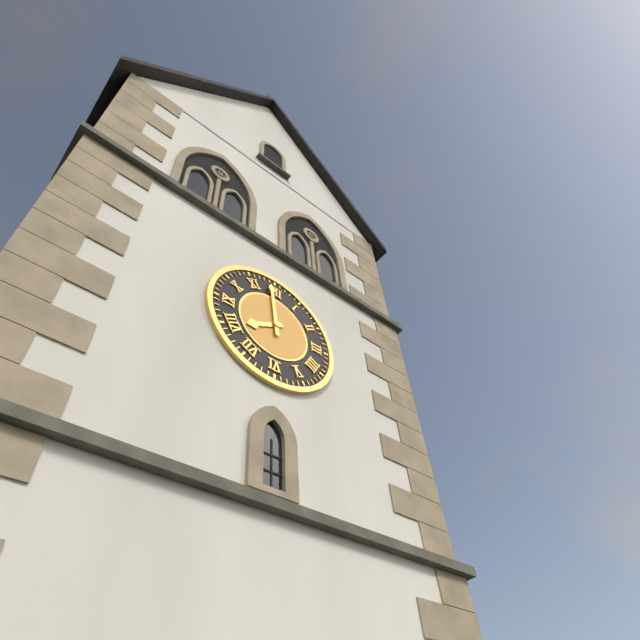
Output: 7h59
